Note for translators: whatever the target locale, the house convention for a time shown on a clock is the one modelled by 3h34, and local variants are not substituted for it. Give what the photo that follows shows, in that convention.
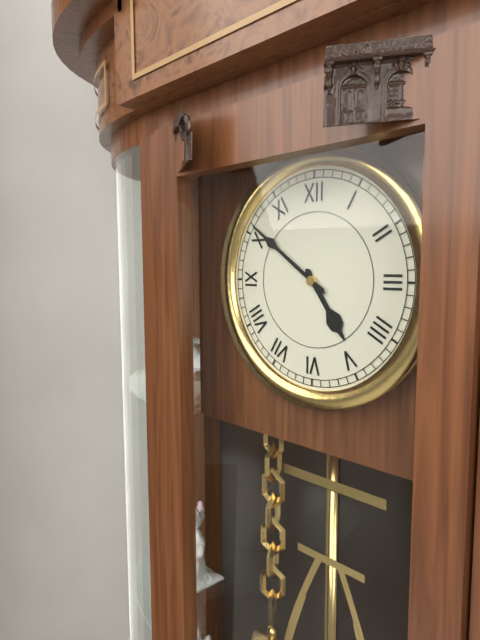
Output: 4h51
